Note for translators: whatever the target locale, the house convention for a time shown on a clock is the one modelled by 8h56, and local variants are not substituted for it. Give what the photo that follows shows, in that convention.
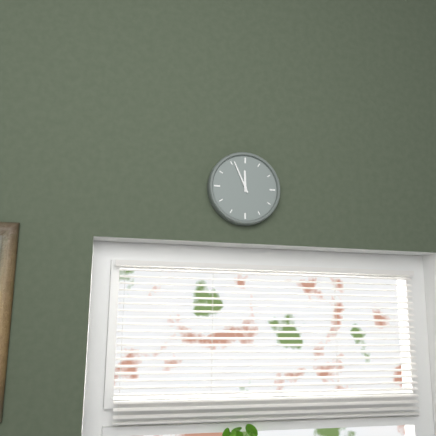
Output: 11h56
